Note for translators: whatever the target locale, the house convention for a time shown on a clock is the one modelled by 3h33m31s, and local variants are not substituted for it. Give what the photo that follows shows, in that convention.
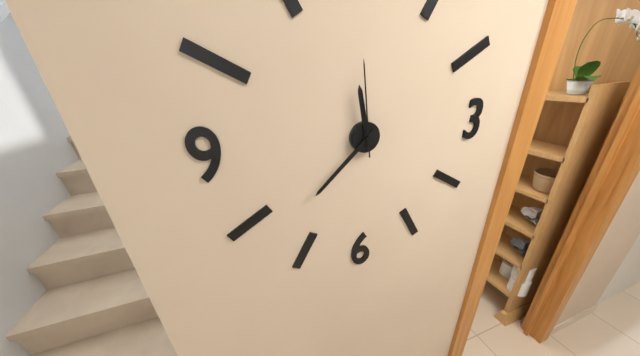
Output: 11h38m59s
